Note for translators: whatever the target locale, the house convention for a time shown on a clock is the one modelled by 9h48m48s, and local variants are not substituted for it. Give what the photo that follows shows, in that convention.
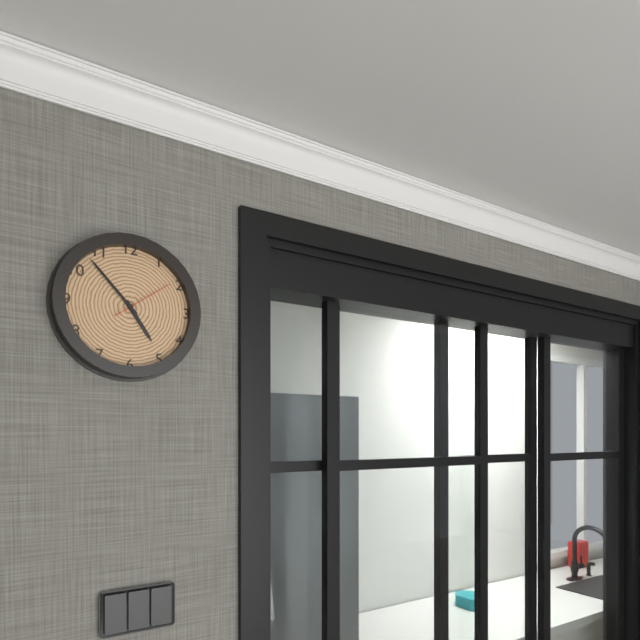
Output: 4h53m09s
